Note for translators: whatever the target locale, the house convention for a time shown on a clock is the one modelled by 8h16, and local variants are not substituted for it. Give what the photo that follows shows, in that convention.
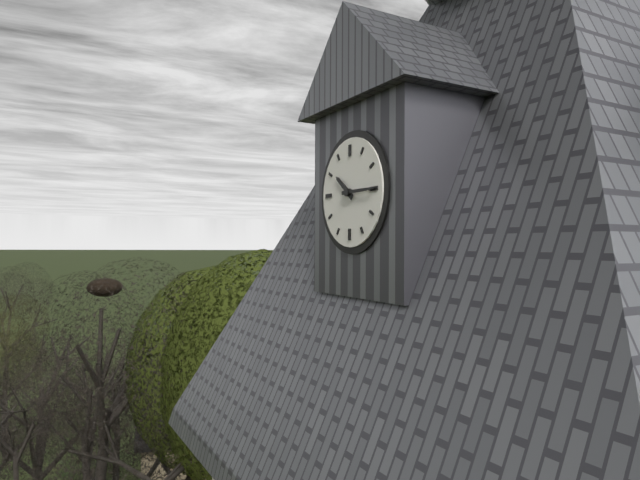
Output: 10h15
